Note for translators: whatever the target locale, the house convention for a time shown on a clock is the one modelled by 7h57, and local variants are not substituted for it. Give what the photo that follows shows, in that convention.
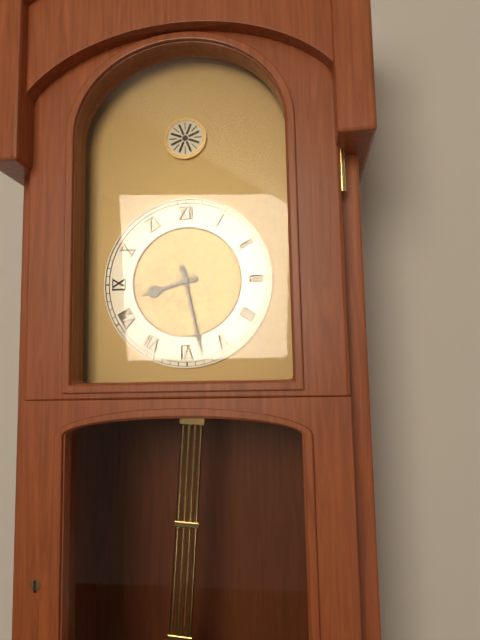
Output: 8h28
